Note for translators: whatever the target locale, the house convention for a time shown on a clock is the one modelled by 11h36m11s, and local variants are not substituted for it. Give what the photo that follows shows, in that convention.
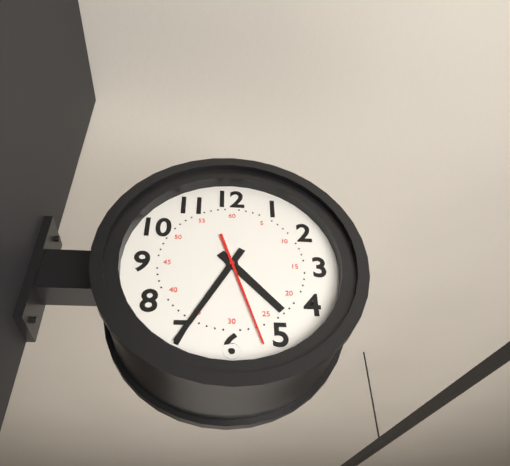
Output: 4h35m27s
